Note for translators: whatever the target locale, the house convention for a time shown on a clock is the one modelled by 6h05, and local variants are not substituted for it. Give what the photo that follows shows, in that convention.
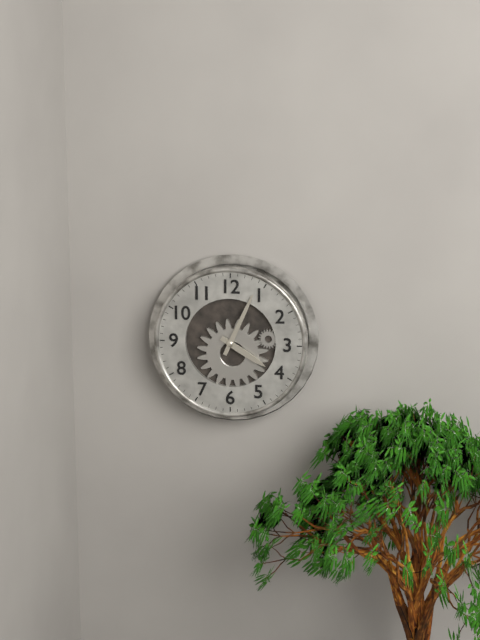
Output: 4h04
